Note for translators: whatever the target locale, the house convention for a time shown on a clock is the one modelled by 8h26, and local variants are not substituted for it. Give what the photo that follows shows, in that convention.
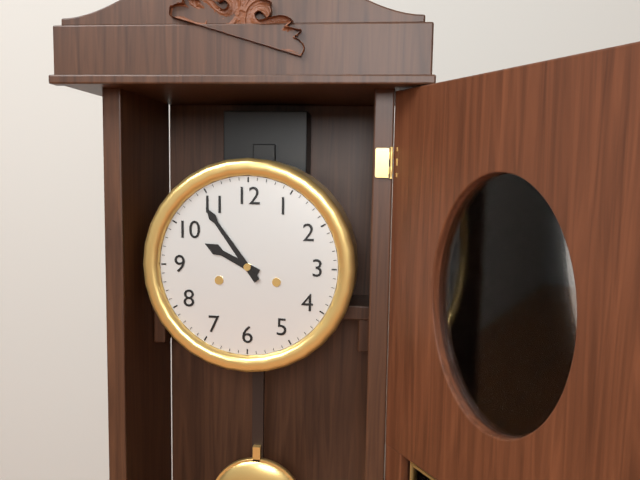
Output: 9h54
